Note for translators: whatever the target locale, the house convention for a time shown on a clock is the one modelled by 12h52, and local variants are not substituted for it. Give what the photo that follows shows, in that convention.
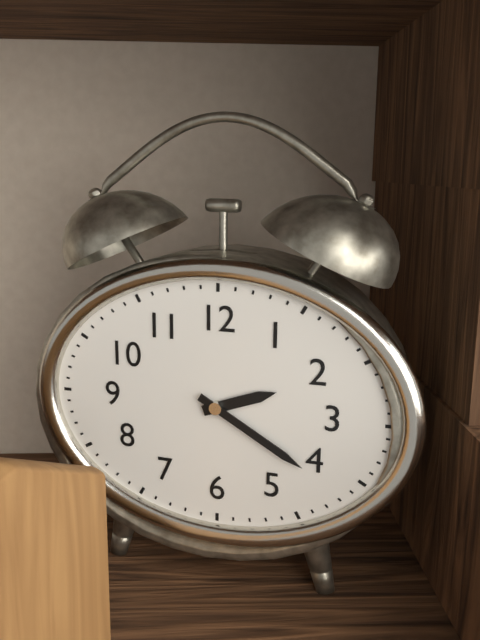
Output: 2h20
